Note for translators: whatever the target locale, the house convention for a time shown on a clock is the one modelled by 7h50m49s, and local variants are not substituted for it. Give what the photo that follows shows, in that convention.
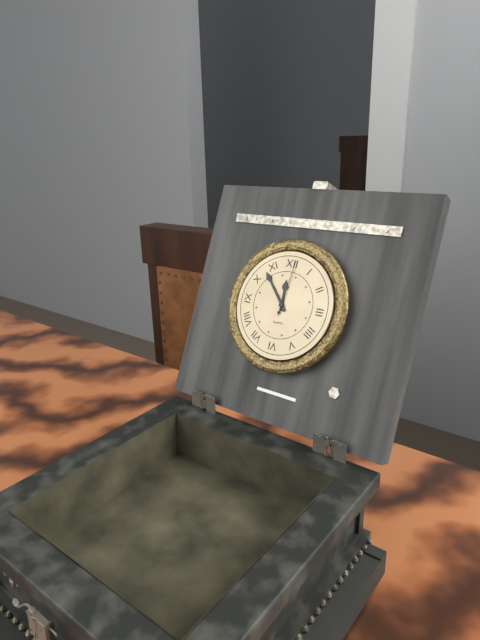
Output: 11h53m01s
